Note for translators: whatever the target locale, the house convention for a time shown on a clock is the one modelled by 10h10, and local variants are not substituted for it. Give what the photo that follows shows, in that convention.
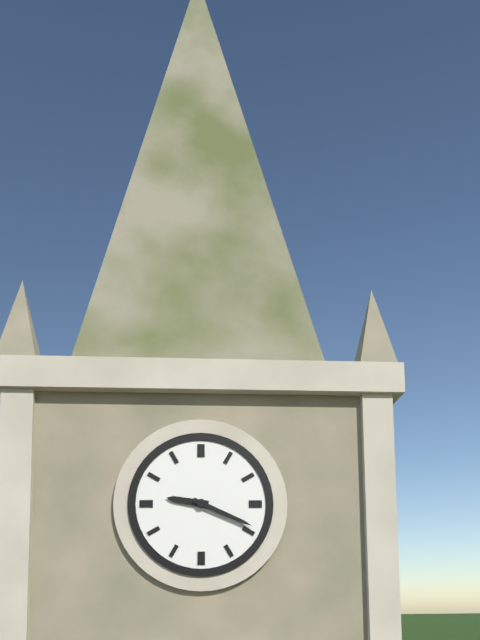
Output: 9h19
